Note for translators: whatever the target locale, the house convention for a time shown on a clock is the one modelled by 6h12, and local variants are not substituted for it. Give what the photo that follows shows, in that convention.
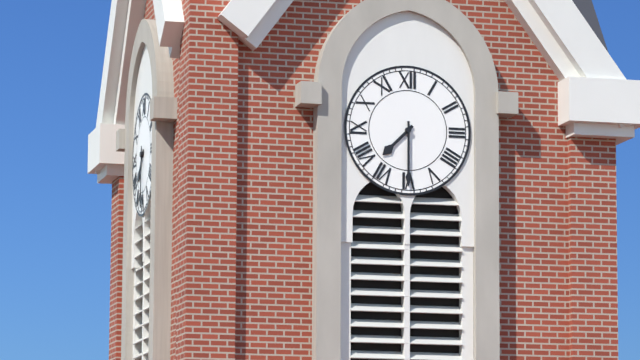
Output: 7h30
